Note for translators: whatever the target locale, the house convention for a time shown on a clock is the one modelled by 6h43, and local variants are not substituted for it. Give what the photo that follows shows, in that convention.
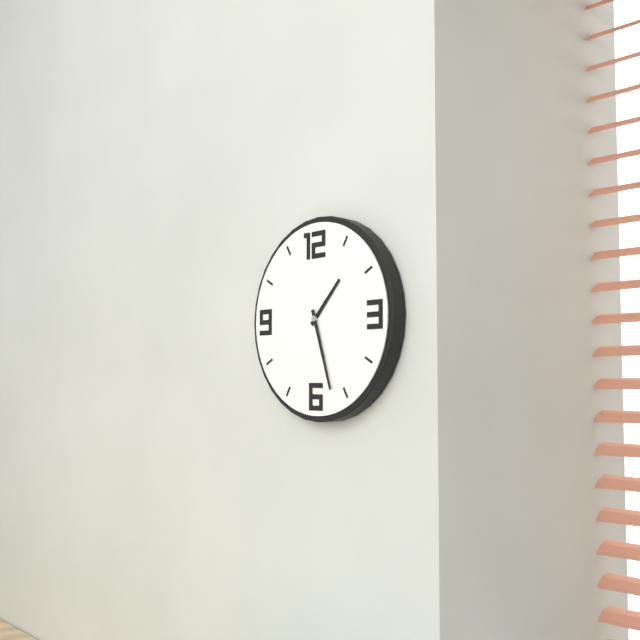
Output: 1h27
